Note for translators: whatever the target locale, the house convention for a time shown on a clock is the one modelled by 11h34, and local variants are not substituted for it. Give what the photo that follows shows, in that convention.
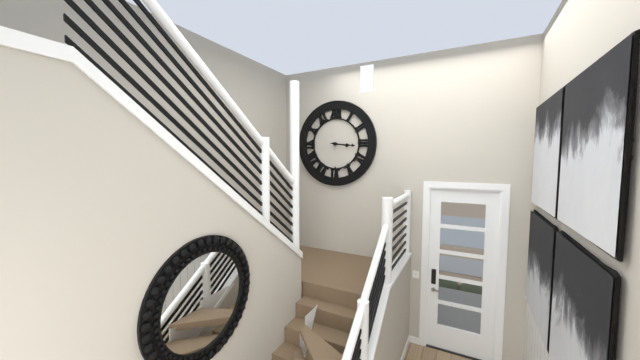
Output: 3h16
